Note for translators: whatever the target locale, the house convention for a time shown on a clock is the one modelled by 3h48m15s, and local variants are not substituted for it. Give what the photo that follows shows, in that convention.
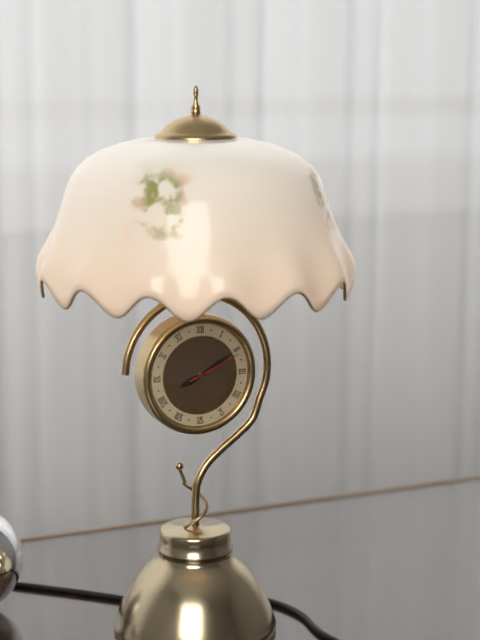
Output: 8h10m11s
